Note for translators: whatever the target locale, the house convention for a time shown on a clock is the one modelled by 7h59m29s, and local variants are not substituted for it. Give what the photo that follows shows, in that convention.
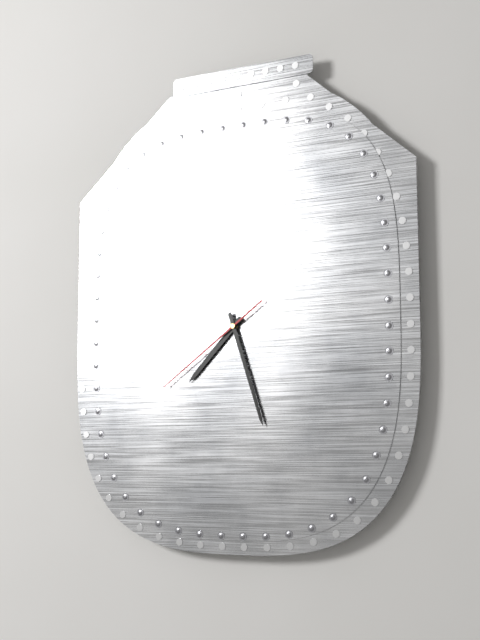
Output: 7h27m39s
